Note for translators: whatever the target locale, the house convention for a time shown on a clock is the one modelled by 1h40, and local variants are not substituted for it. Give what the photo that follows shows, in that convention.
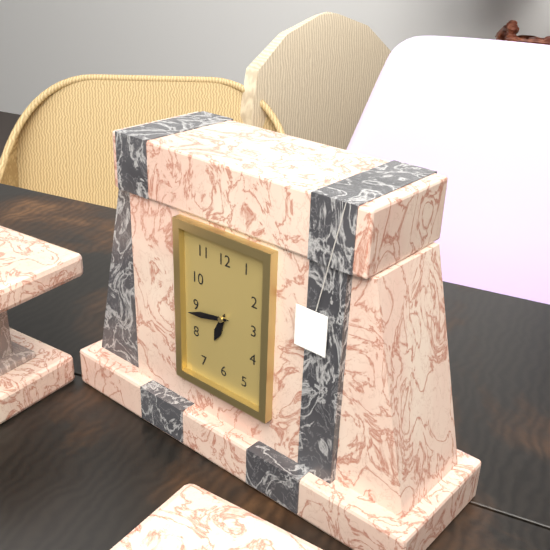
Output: 6h43
